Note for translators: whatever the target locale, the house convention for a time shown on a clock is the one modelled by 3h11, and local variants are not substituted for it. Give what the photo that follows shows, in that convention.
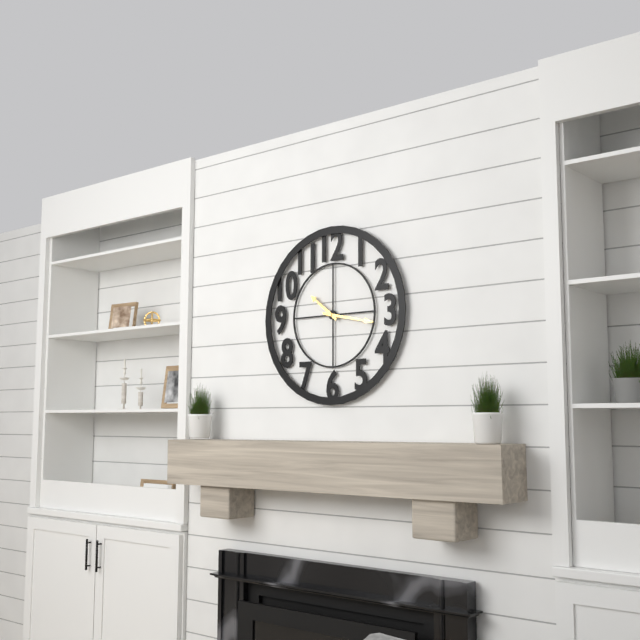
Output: 10h17
